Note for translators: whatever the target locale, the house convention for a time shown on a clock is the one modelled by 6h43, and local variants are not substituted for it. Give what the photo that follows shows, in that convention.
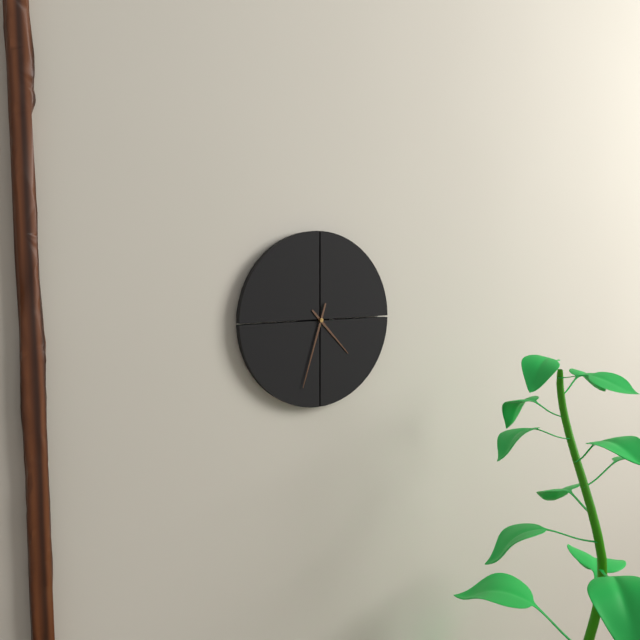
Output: 4h33
